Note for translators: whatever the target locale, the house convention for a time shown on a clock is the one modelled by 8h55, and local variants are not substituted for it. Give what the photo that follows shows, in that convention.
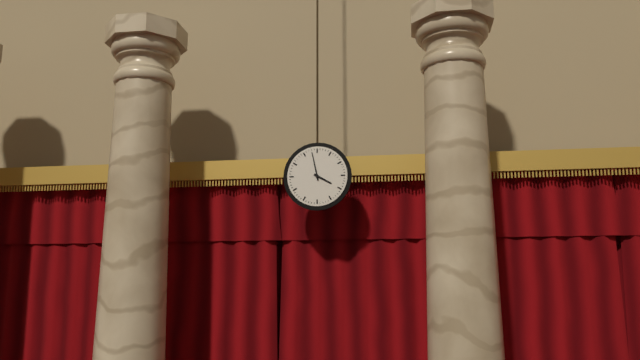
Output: 3h58
